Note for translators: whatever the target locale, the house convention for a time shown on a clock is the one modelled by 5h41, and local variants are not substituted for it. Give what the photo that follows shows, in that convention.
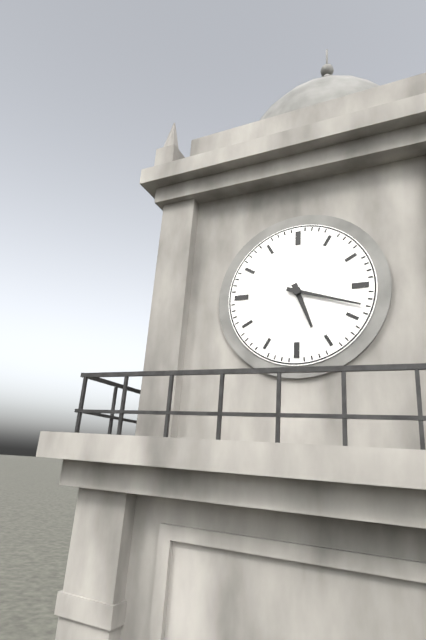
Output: 5h18
